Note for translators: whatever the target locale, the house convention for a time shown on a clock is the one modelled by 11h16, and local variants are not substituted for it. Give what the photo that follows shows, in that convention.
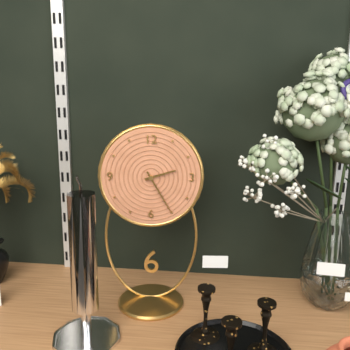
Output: 2h25
